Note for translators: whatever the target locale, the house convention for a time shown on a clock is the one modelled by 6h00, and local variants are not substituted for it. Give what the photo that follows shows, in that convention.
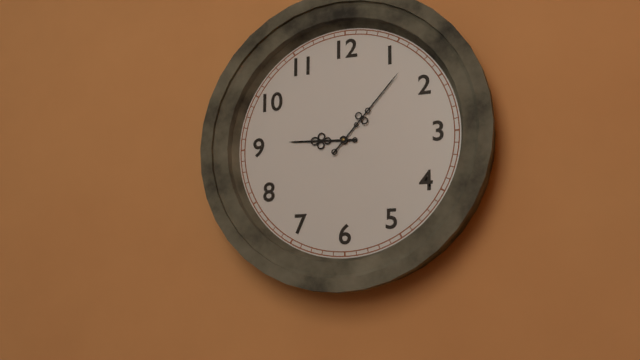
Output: 9h07
